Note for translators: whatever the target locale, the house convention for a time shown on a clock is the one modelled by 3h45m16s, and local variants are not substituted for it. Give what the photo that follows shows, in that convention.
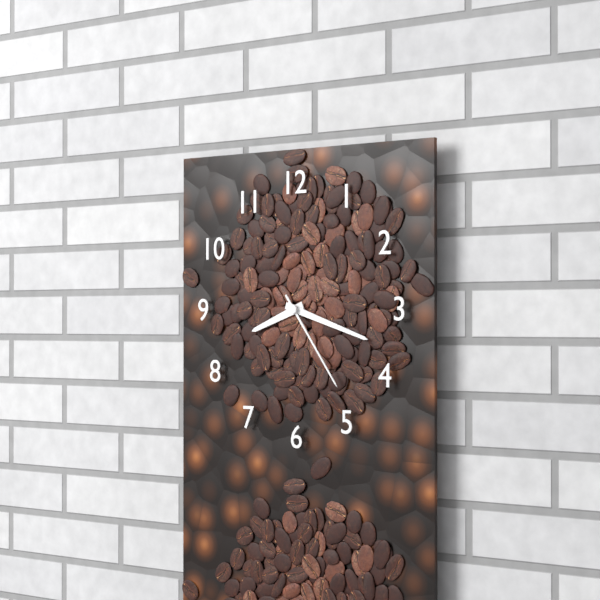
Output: 8h18m24s
